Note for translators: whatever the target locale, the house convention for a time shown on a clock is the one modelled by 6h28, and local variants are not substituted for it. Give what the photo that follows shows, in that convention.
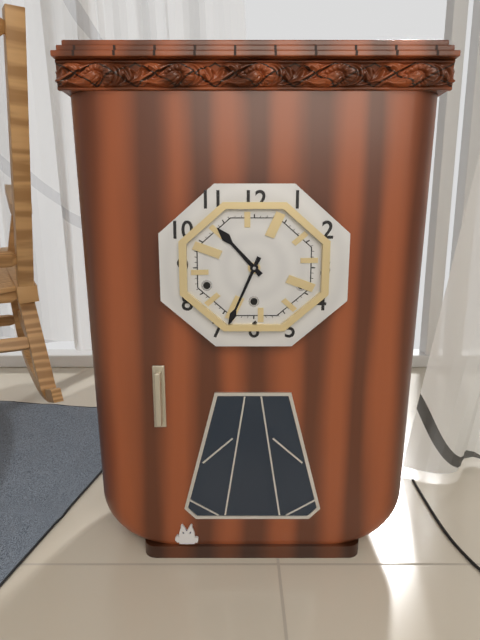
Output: 10h34
